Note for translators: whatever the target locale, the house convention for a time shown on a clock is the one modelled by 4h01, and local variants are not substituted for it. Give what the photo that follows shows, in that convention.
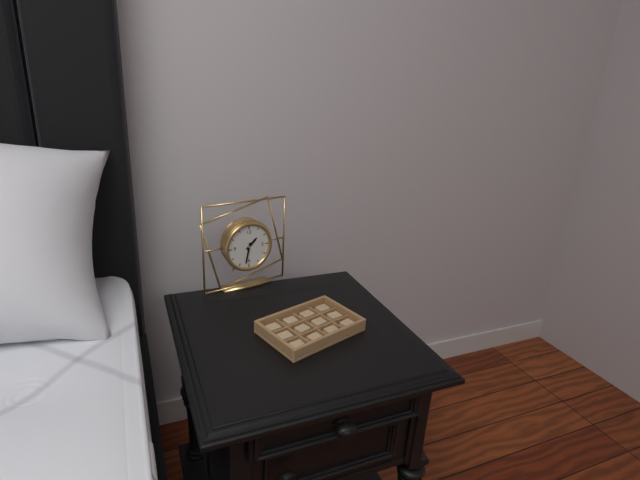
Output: 1h32
